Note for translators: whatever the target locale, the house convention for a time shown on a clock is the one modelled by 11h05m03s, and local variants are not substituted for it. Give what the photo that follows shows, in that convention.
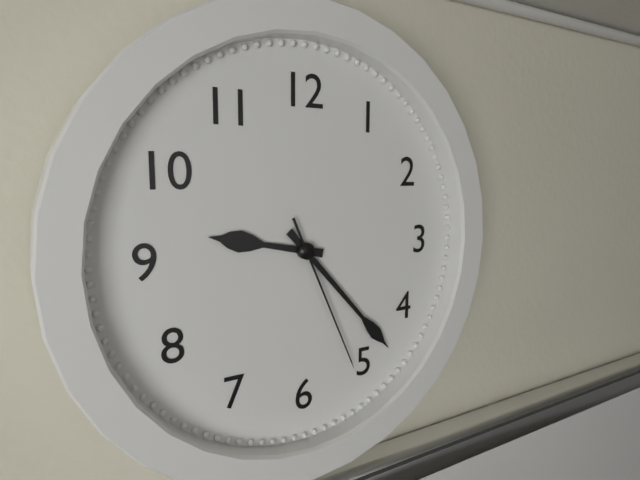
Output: 9h23m26s
